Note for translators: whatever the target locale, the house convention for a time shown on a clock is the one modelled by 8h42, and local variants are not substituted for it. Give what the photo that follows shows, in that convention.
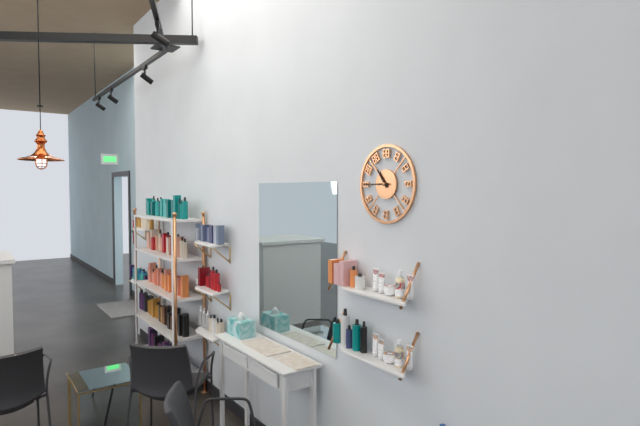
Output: 10h45
